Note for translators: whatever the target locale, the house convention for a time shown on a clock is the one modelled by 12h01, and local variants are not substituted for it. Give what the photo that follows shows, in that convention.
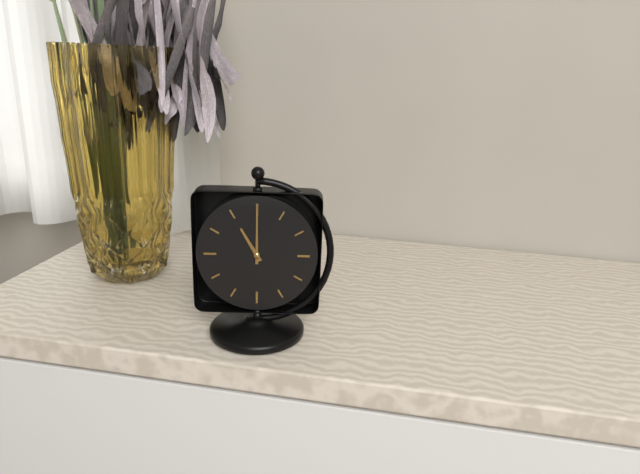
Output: 11h00
